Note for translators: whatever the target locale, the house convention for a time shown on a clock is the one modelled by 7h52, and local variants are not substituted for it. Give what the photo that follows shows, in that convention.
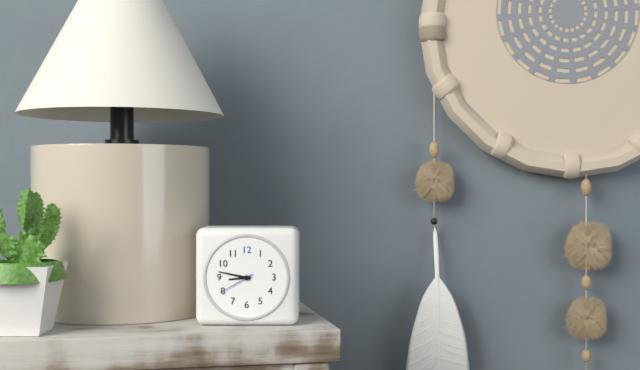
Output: 8h47
